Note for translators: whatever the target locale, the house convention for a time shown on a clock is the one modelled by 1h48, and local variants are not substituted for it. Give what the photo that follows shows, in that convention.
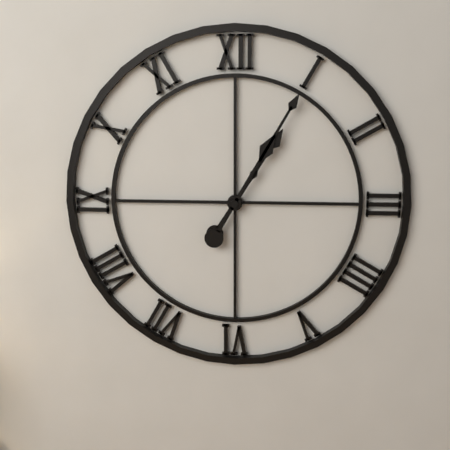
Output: 1h05
